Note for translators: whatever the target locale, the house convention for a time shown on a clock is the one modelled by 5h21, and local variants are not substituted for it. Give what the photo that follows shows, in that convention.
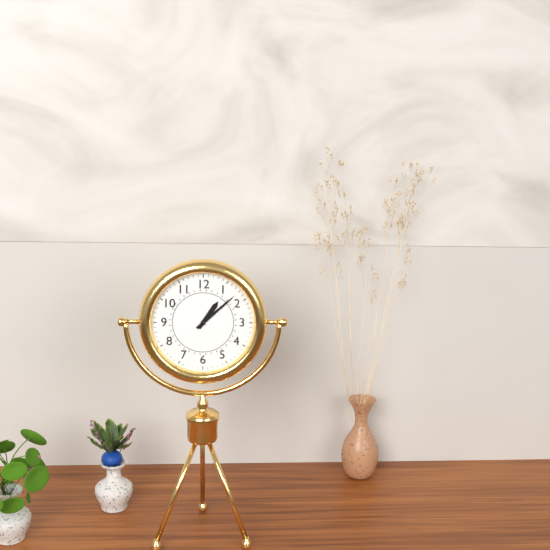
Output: 1h08
